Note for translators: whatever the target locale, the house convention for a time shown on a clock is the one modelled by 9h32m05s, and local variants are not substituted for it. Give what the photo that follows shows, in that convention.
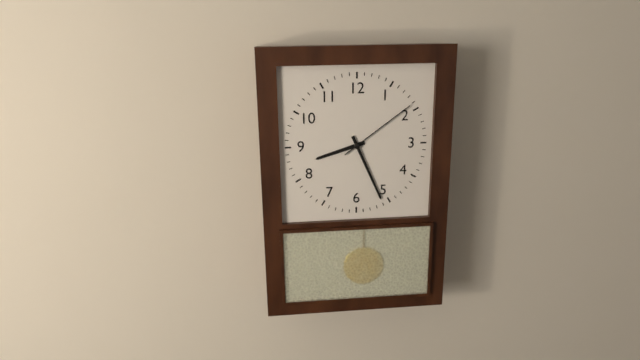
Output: 8h26m09s
